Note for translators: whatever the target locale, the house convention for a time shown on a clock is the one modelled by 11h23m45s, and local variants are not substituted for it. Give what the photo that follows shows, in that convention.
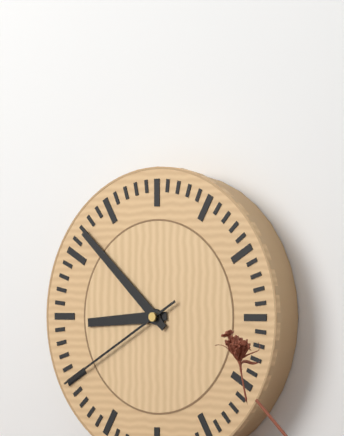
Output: 8h52m40s
